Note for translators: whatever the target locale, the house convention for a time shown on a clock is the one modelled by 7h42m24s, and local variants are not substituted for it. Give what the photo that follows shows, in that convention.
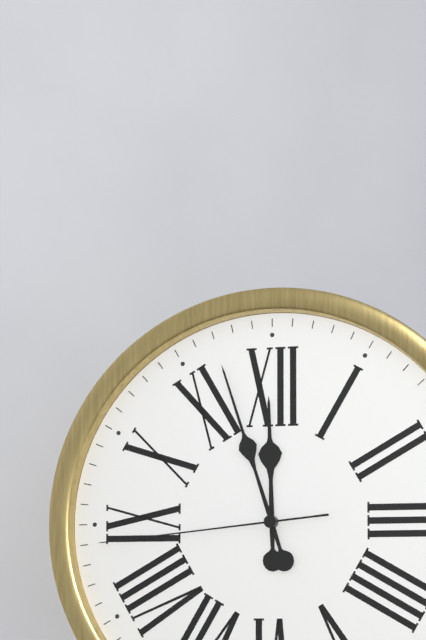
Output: 11h57m44s
